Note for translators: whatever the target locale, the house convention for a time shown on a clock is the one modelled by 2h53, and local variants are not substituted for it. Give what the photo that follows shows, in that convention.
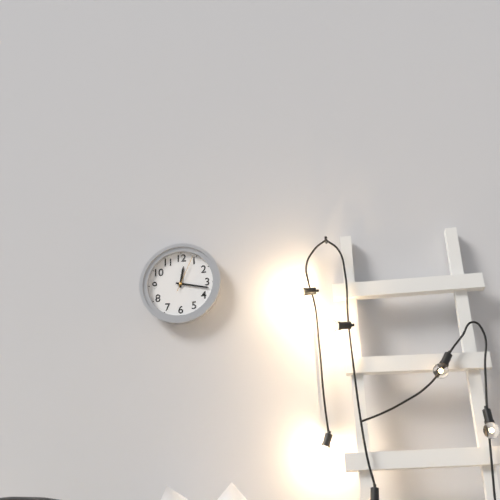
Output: 12h17
